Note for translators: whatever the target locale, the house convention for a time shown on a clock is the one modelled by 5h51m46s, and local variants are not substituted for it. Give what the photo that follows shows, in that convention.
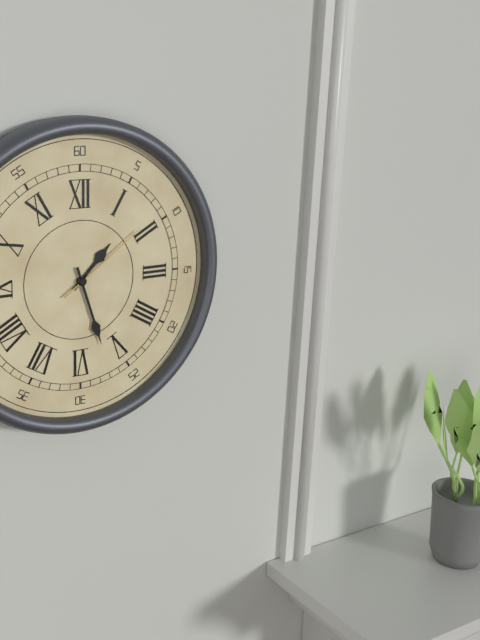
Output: 1h27m09s
